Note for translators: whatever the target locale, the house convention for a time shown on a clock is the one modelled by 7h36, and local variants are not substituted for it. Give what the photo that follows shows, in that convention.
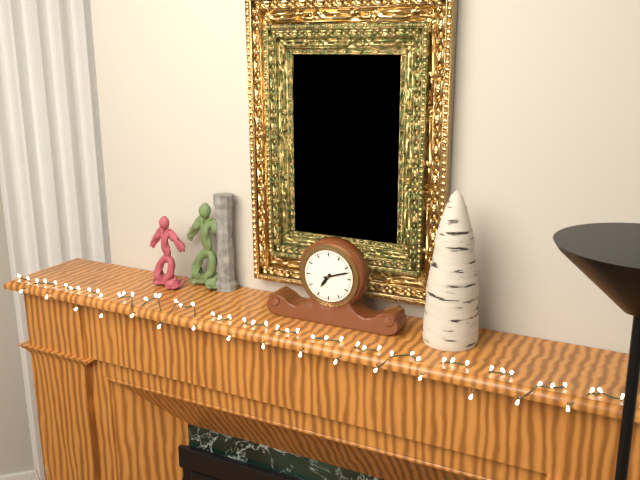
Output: 7h12
